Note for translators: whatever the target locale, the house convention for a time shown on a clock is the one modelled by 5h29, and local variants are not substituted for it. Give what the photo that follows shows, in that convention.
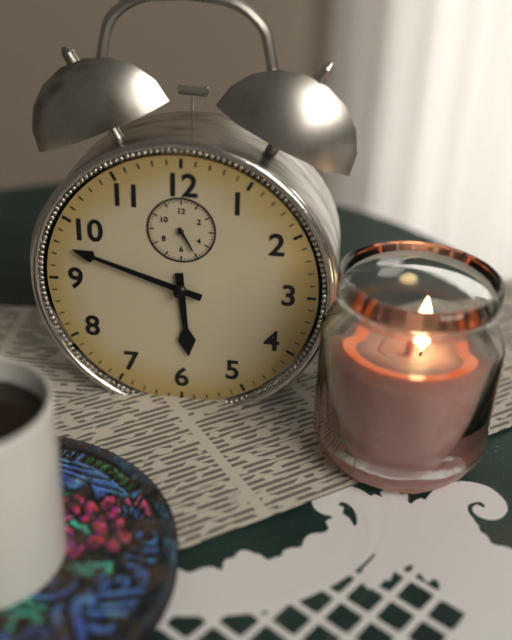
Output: 5h48
